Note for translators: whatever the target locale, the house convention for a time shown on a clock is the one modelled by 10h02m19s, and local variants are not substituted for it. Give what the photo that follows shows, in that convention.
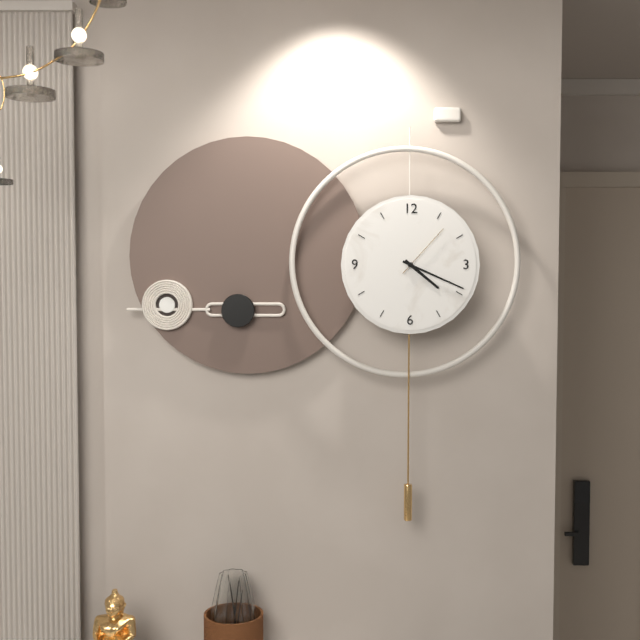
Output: 4h19m07s
